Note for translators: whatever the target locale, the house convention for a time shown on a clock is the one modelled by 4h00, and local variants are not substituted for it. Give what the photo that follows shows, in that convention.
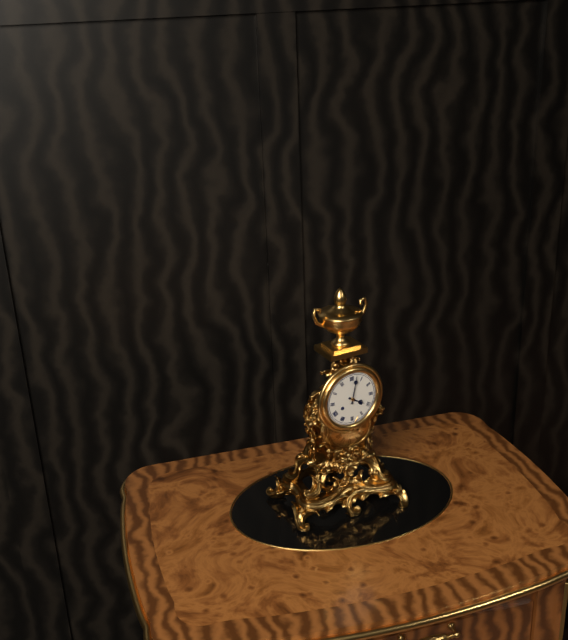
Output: 4h02
